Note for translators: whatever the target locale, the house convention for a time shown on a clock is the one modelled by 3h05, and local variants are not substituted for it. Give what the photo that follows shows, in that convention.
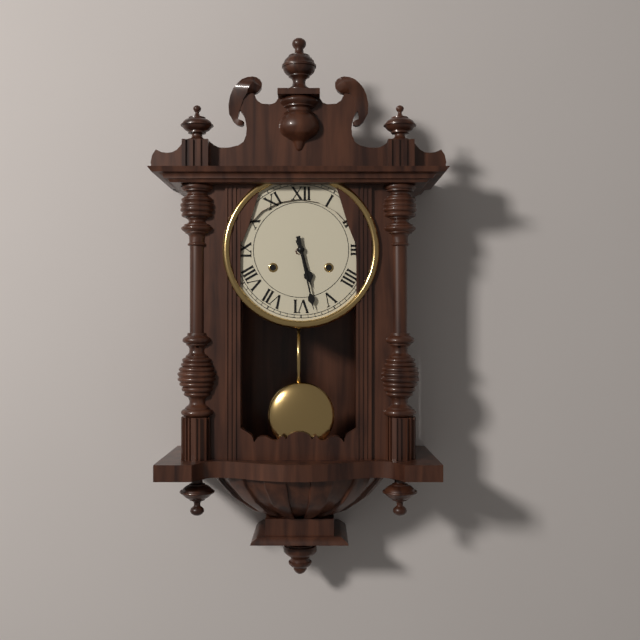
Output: 5h28
